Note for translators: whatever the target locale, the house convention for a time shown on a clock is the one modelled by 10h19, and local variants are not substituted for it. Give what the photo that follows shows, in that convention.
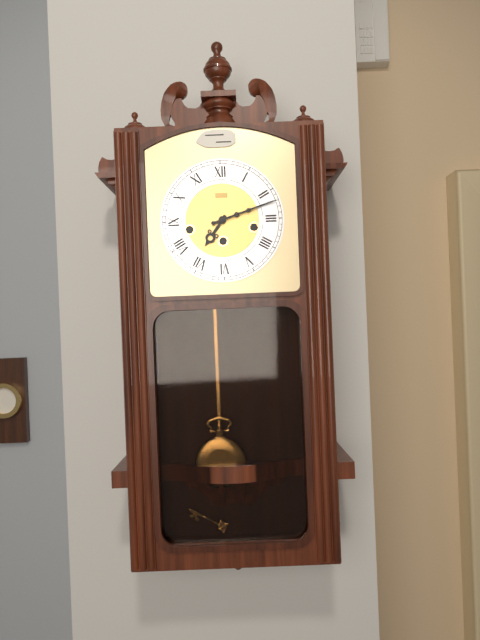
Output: 7h12
